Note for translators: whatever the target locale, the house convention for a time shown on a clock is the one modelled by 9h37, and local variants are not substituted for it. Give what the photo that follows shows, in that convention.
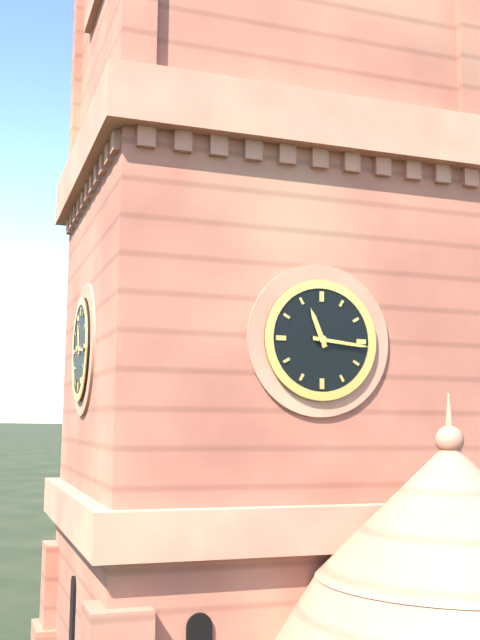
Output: 11h16
